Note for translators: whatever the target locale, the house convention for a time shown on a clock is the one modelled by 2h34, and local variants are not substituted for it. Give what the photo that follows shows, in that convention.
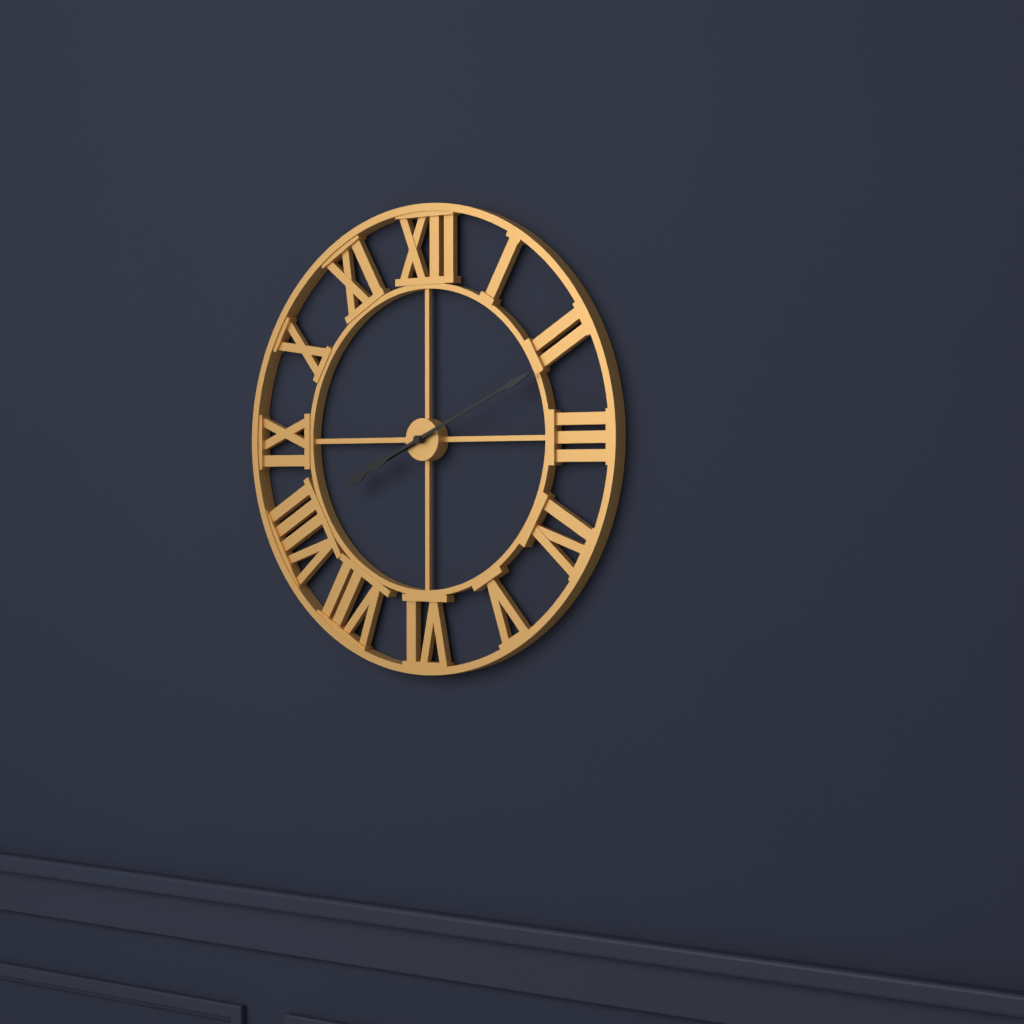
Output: 8h11
